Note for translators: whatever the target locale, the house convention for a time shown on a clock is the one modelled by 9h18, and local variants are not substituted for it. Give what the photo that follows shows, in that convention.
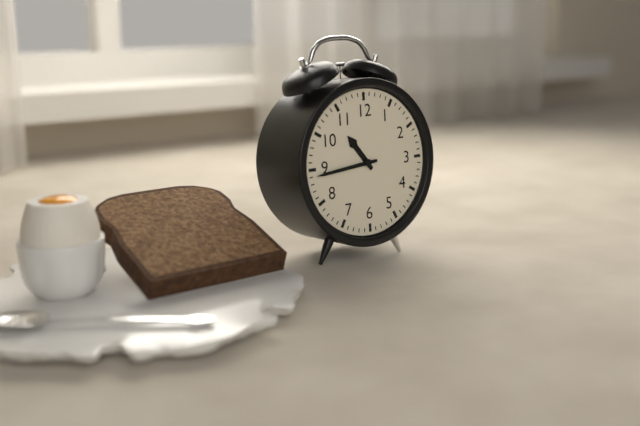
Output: 10h44
